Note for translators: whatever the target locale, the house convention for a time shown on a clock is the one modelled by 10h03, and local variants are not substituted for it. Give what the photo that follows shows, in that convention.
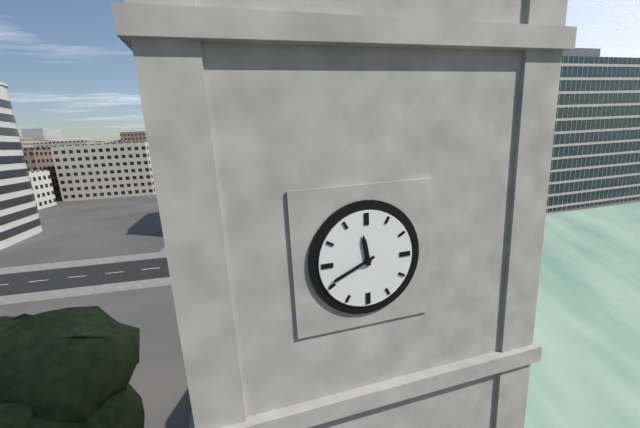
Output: 11h41
